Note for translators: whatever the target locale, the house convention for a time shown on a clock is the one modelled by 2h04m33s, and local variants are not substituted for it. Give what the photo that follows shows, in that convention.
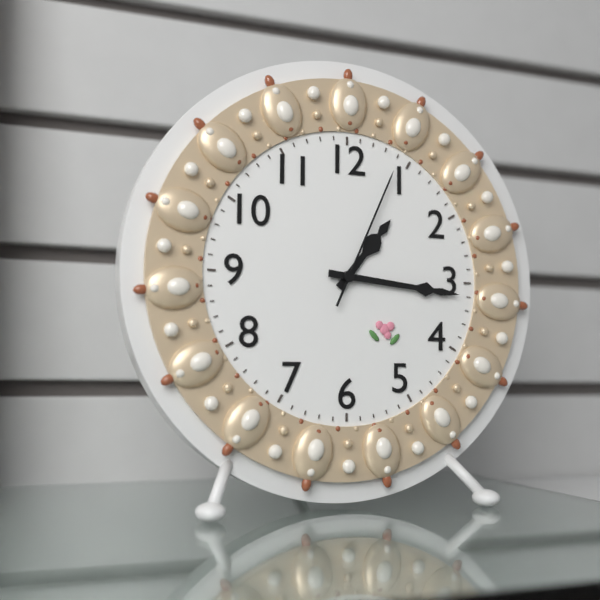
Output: 1h16m04s
